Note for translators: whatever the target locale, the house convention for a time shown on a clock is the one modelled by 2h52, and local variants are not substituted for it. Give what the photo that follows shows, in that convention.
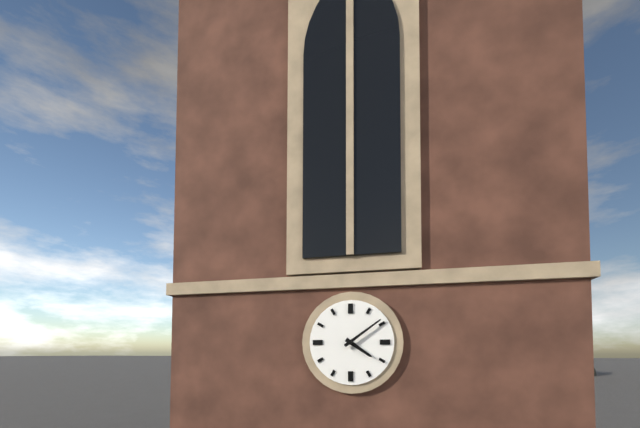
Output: 4h09
